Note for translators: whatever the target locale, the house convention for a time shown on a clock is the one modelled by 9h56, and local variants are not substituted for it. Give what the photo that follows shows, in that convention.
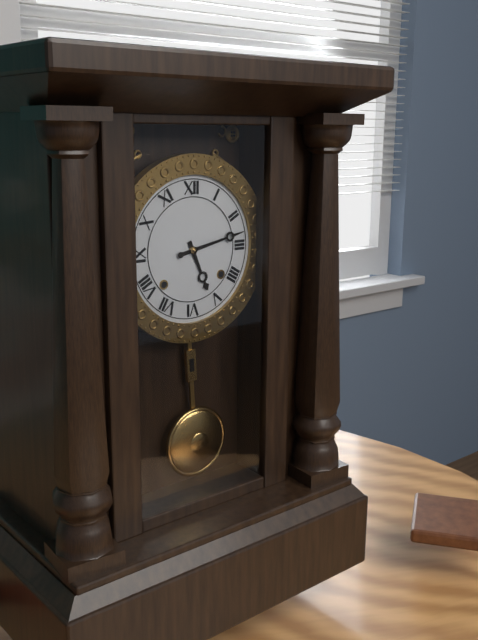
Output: 5h13
